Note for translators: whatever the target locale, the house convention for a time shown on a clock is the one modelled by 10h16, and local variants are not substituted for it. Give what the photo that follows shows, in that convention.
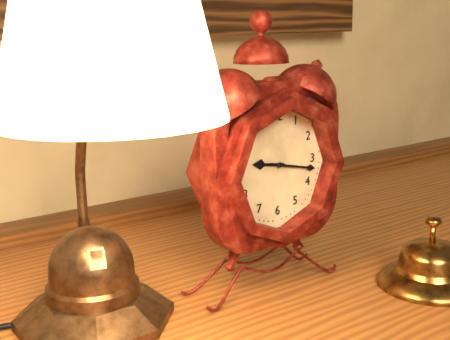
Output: 9h17
